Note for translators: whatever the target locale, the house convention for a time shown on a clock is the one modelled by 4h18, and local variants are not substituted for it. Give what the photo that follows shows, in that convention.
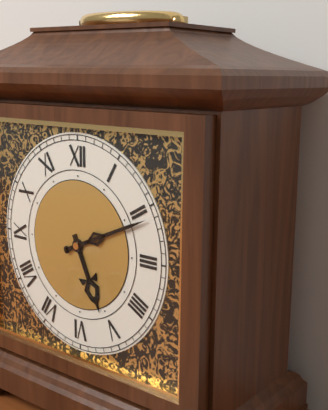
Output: 5h11
